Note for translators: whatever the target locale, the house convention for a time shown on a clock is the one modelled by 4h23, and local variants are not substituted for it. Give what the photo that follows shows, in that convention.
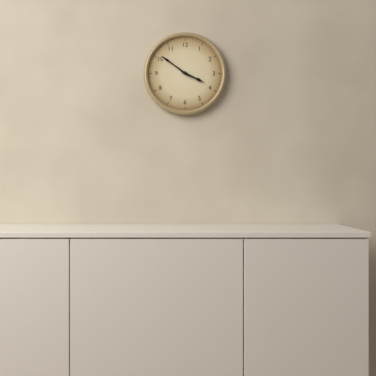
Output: 3h51
